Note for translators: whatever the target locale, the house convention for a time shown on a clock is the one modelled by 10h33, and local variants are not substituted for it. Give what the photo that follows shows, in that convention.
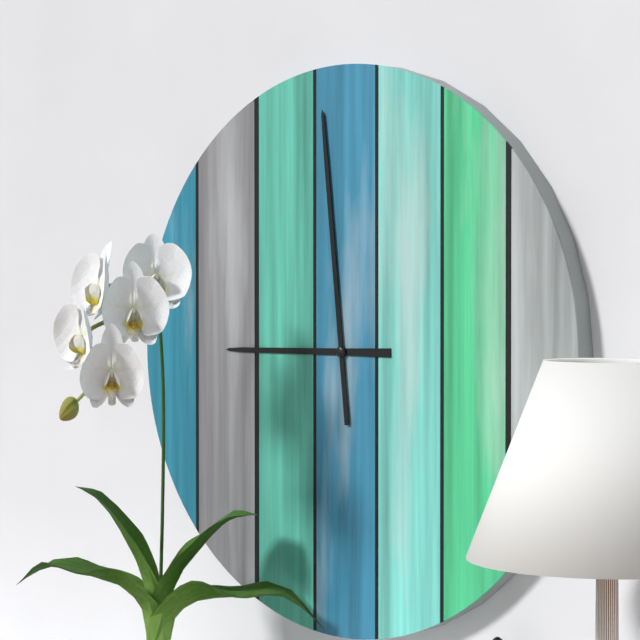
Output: 8h59
